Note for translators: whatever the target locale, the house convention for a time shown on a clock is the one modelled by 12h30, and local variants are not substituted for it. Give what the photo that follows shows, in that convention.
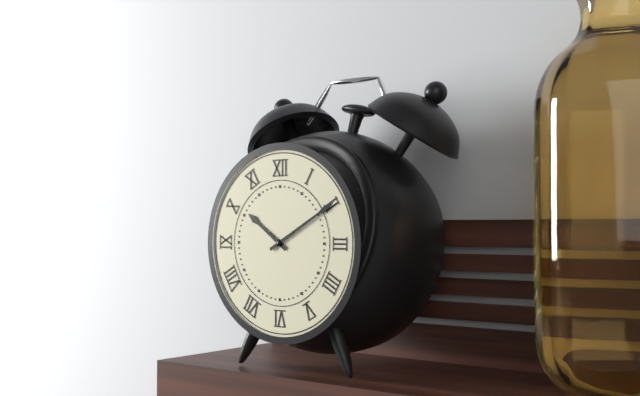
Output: 10h10
